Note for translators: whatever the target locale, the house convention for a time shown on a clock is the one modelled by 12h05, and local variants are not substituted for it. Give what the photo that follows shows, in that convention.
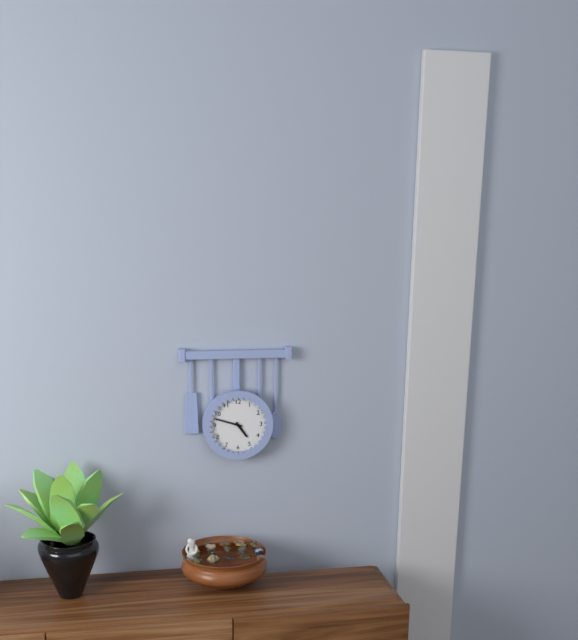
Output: 4h48
